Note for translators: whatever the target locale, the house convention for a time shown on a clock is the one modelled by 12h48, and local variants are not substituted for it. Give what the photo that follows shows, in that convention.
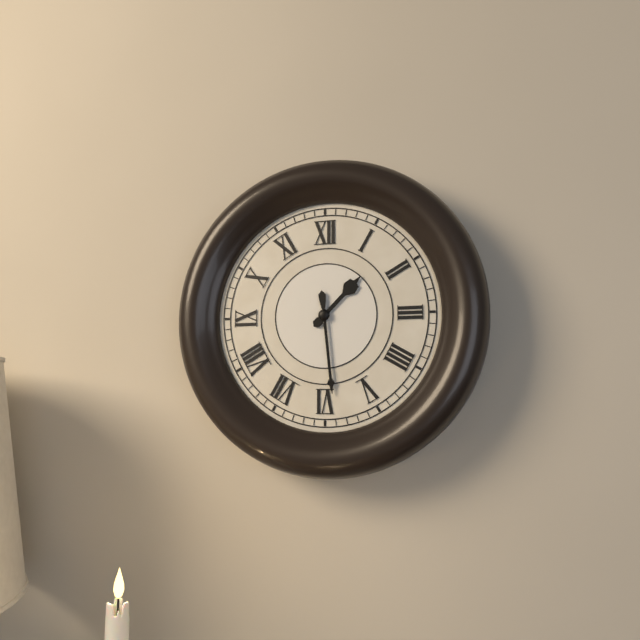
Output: 1h29
